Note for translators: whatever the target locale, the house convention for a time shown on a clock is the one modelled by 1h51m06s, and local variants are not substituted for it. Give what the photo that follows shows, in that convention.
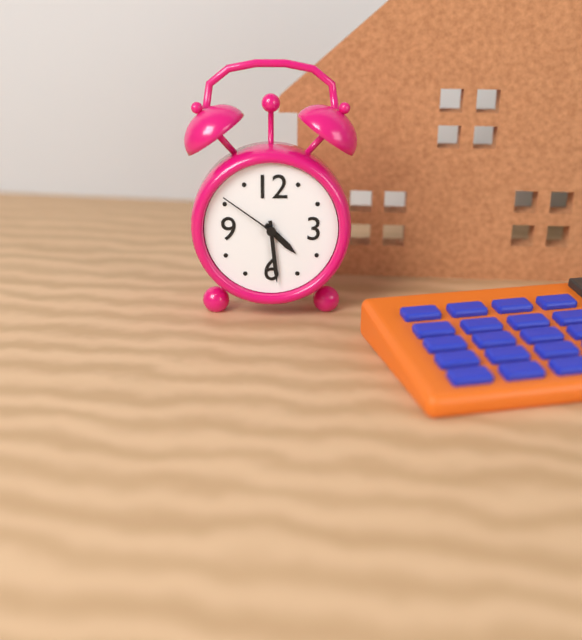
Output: 4h29m51s
